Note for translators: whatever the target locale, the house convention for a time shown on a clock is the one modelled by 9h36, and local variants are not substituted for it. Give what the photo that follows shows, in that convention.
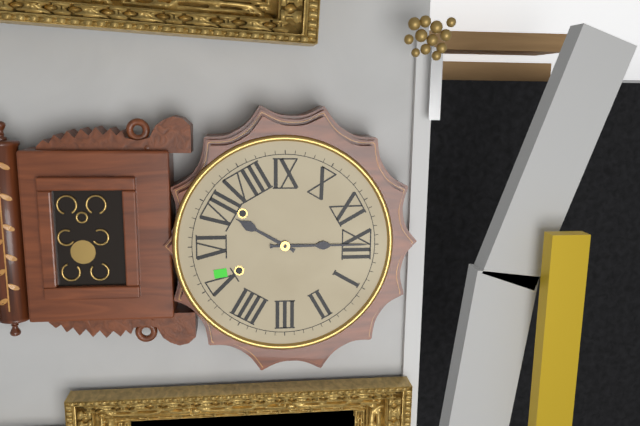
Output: 7h00
